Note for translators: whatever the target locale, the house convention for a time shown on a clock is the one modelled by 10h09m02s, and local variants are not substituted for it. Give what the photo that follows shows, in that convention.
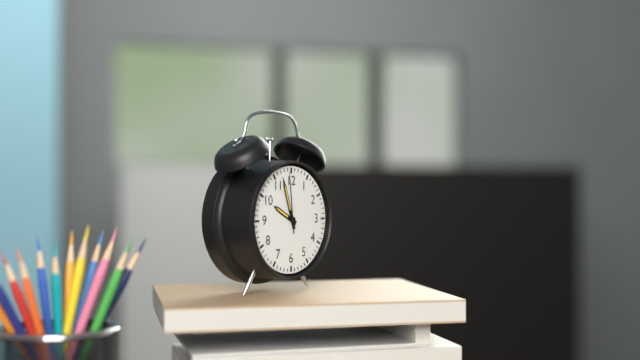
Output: 9h57m59s
